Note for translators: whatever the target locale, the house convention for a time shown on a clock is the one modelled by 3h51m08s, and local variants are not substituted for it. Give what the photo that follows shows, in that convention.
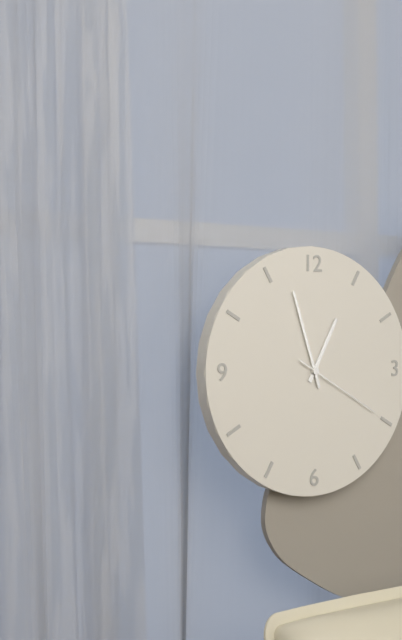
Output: 12h57m20s
